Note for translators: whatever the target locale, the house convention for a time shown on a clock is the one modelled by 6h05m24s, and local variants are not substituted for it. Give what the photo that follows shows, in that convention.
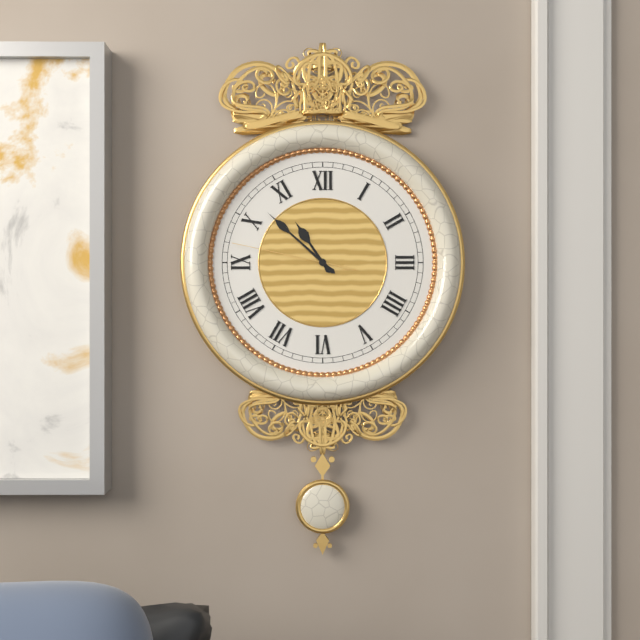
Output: 10h52m47s
